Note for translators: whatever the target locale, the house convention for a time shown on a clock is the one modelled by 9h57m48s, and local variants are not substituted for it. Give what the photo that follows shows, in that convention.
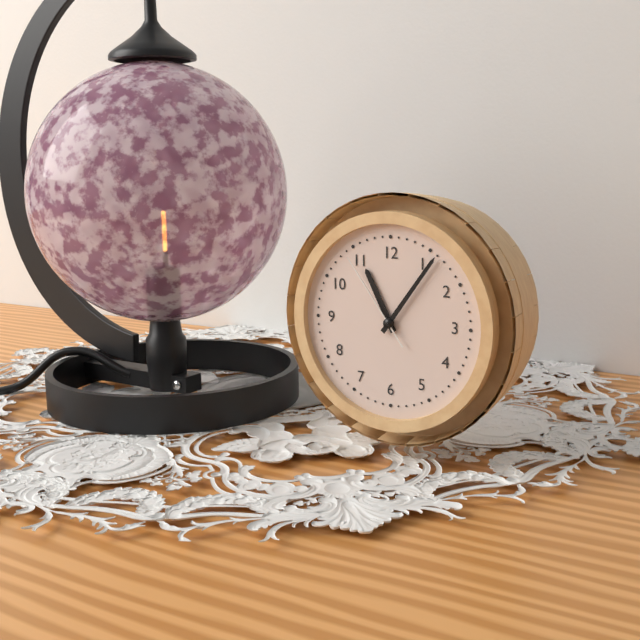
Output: 11h06m54s
